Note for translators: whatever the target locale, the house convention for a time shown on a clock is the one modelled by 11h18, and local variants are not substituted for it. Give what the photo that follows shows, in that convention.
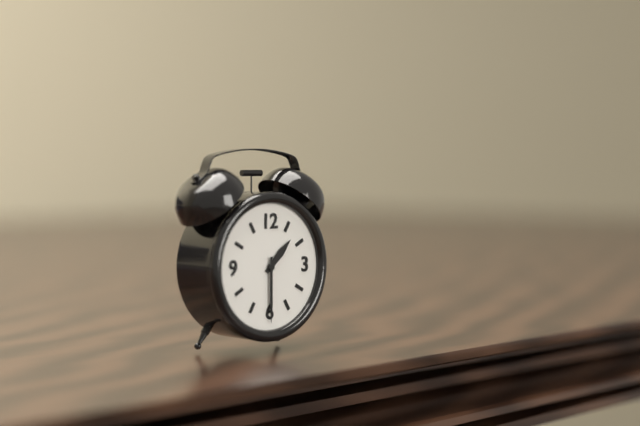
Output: 1h30
